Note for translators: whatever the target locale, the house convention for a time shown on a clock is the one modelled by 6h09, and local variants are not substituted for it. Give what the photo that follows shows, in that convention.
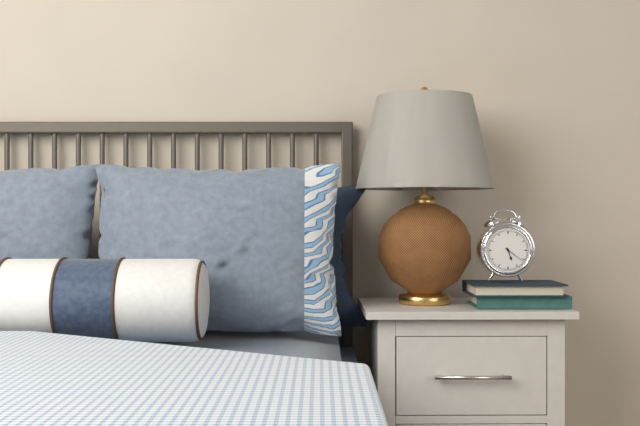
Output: 5h21
